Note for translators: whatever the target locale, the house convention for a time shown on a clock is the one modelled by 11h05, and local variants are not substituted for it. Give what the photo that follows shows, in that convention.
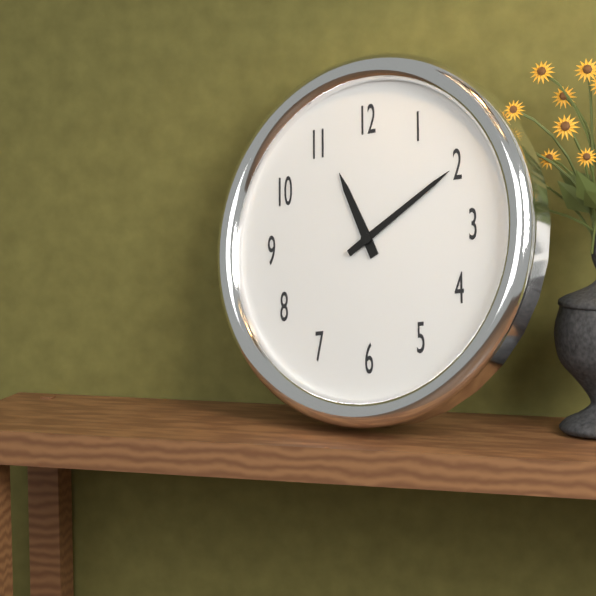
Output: 11h10
